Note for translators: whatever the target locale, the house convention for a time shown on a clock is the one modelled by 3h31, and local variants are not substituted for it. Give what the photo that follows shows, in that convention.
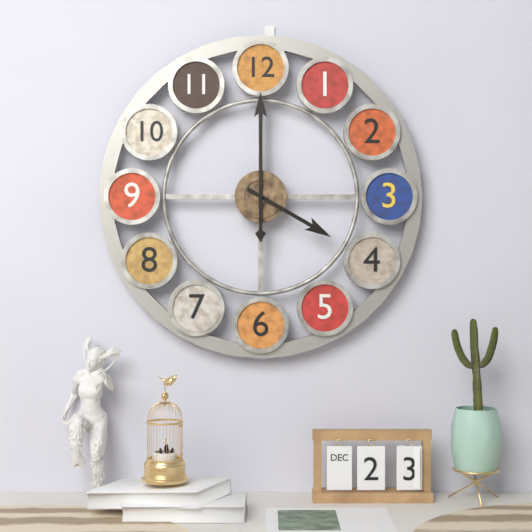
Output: 4h00
